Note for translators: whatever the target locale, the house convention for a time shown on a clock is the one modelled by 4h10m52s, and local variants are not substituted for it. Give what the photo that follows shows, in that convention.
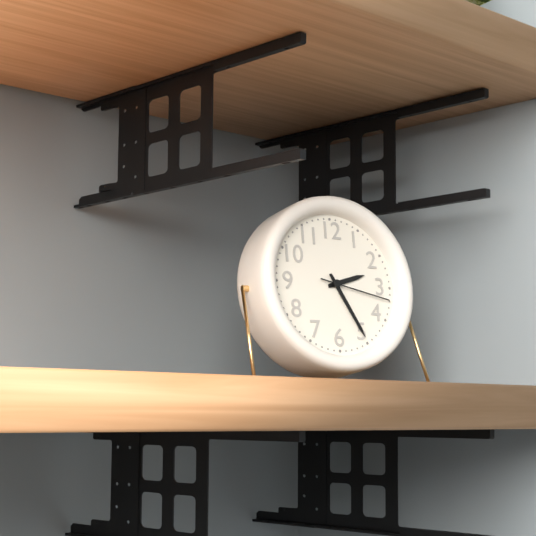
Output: 2h25m17s
